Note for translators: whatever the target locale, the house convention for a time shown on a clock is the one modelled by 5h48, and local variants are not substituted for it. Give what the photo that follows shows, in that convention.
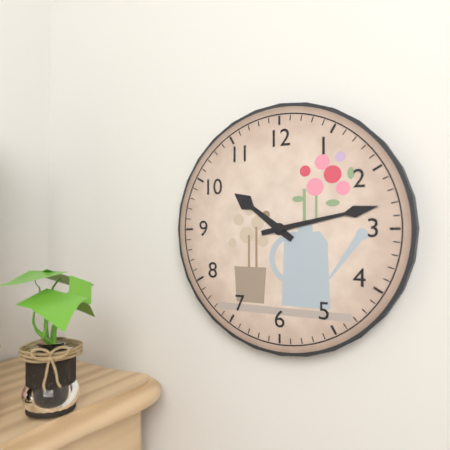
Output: 10h13
